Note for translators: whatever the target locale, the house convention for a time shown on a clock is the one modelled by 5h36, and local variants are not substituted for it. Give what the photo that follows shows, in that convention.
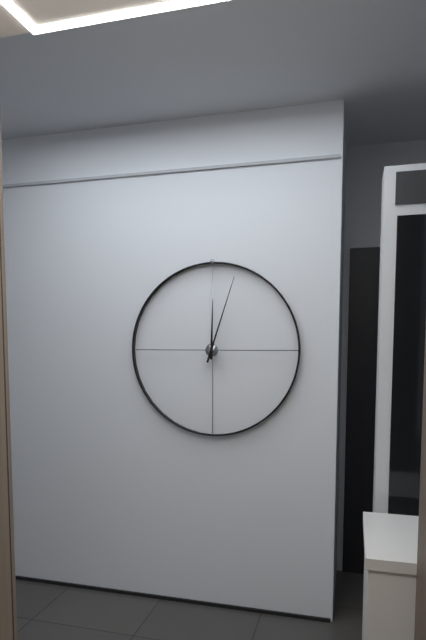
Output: 12h03
